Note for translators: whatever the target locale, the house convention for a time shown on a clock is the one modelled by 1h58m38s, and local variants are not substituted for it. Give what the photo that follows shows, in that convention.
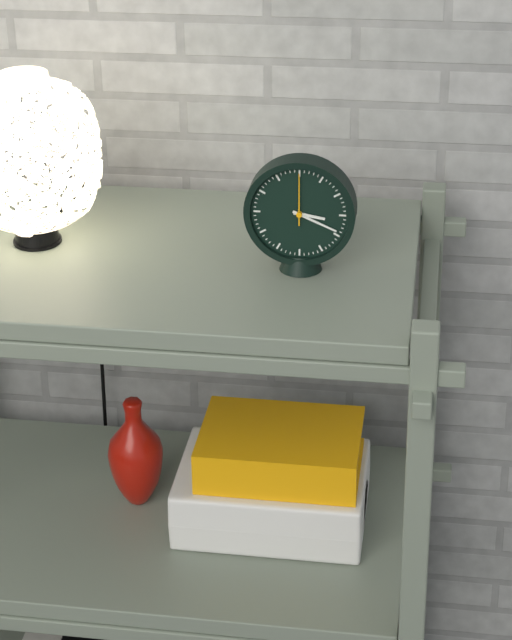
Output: 3h19m00s
